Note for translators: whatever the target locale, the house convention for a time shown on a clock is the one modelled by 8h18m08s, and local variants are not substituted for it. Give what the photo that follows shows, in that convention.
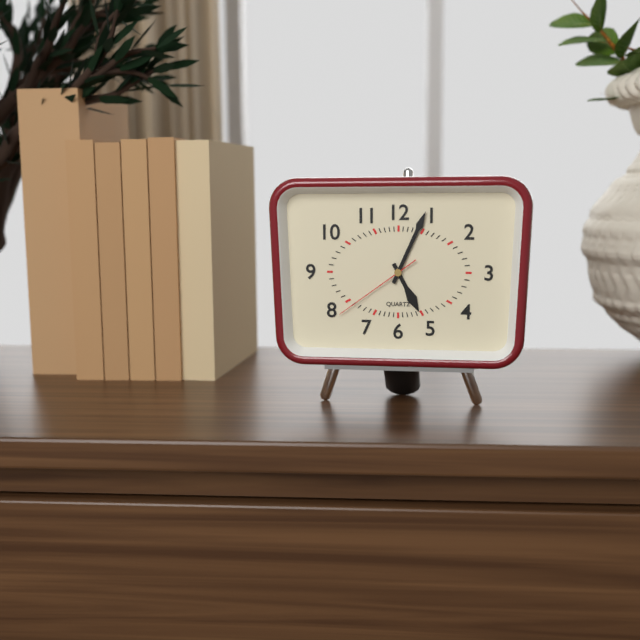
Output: 5h04m39s
